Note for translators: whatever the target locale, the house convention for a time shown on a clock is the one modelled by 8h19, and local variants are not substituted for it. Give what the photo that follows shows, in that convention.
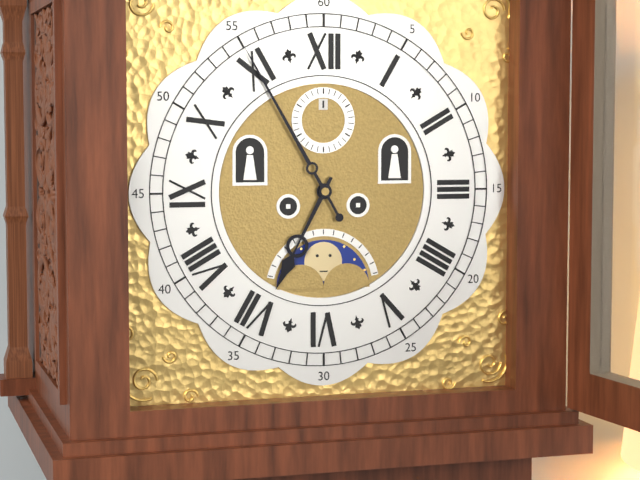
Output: 6h55
